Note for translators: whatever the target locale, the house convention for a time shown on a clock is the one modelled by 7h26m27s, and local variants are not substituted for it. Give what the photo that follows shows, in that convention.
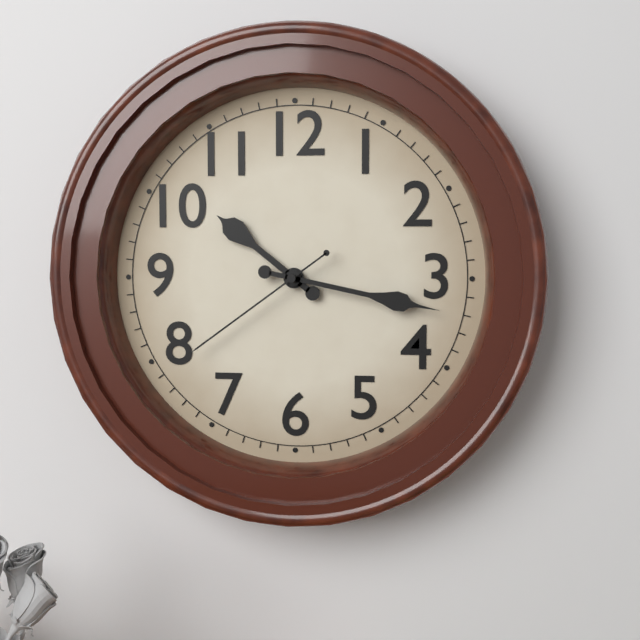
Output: 10h17m39s
